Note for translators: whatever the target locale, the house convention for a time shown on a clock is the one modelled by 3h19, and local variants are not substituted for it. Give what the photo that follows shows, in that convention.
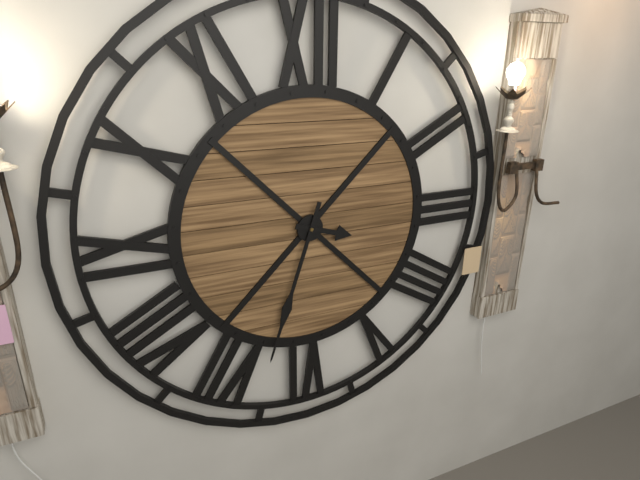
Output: 3h33
